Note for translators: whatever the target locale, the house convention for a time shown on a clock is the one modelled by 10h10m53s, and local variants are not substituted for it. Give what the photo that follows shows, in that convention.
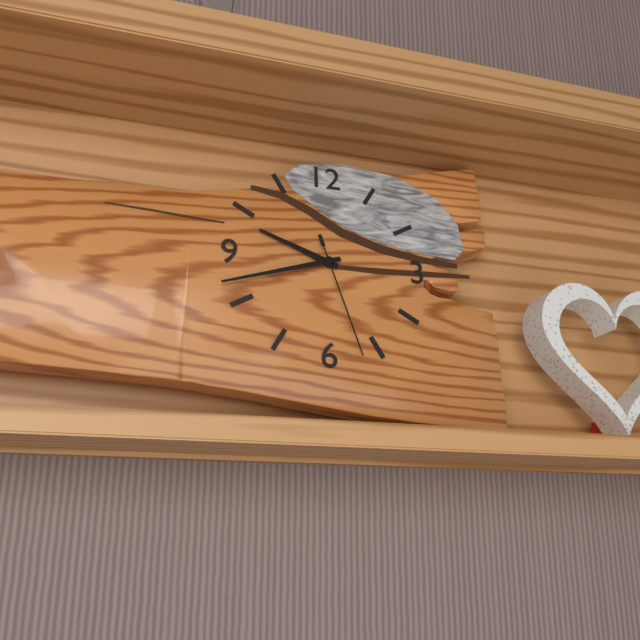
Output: 9h42m27s
